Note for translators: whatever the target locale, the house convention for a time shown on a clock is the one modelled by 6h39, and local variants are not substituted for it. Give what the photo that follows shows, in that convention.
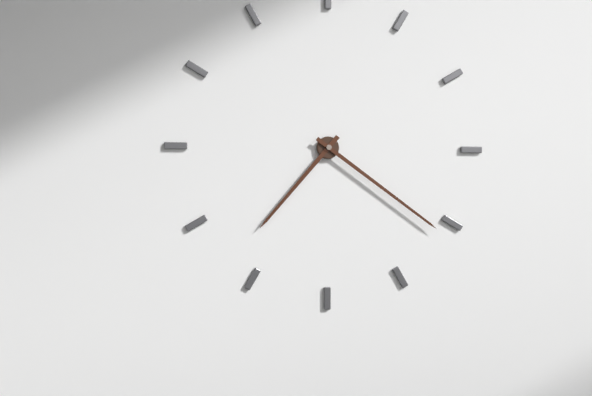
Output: 7h21
